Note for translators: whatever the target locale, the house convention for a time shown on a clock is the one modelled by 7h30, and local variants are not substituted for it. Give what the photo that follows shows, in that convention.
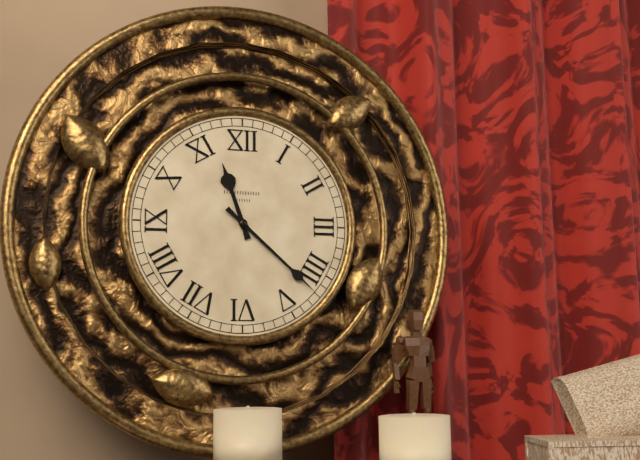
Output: 11h22
